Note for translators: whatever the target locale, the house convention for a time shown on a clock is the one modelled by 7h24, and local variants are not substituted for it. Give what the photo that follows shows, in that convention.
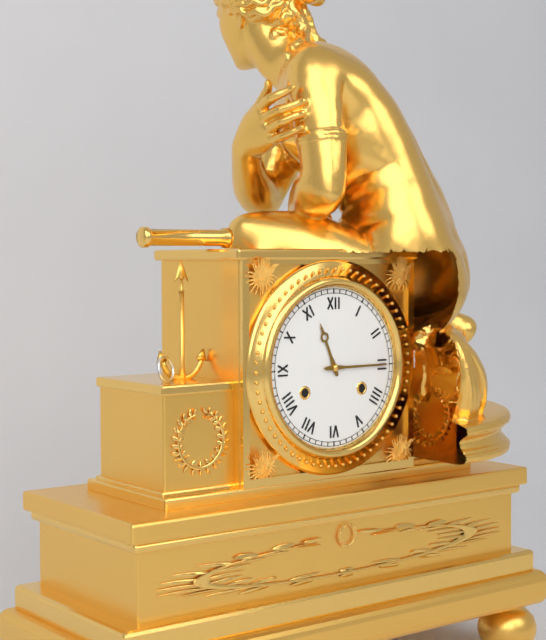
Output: 11h15
